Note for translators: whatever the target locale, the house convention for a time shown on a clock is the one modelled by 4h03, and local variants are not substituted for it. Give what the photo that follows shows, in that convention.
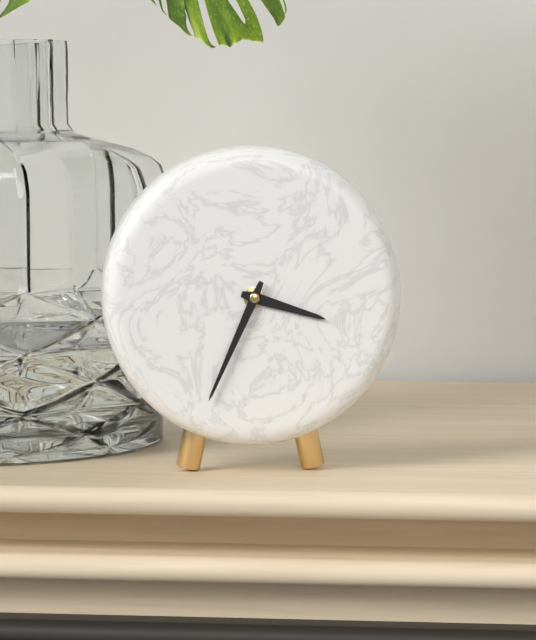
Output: 3h34
